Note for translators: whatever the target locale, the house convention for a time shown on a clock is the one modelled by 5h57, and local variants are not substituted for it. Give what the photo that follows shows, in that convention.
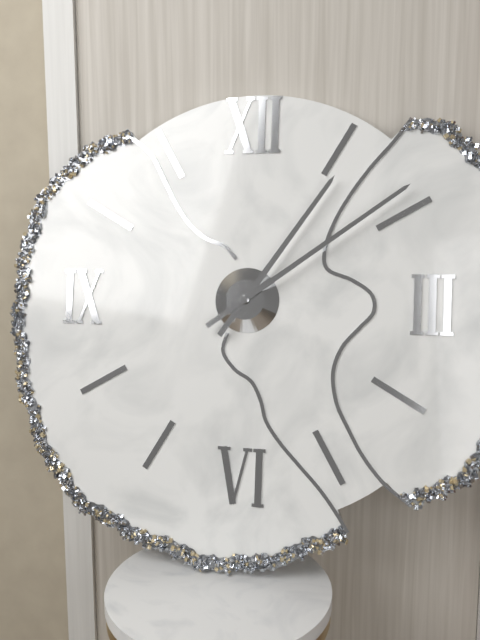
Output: 1h09
